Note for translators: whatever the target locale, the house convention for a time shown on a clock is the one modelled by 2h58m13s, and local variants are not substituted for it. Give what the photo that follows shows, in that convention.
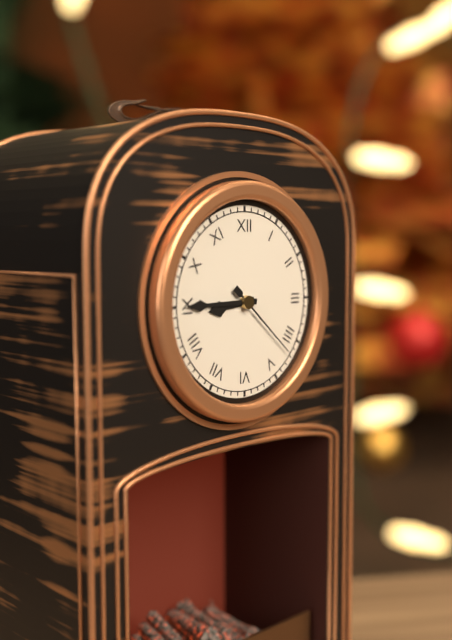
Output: 8h45m22s
